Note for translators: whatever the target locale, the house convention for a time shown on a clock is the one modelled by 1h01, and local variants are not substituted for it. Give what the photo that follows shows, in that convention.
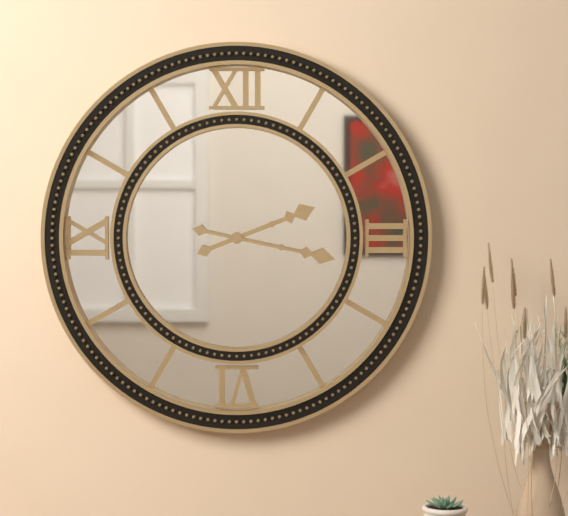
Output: 2h17
